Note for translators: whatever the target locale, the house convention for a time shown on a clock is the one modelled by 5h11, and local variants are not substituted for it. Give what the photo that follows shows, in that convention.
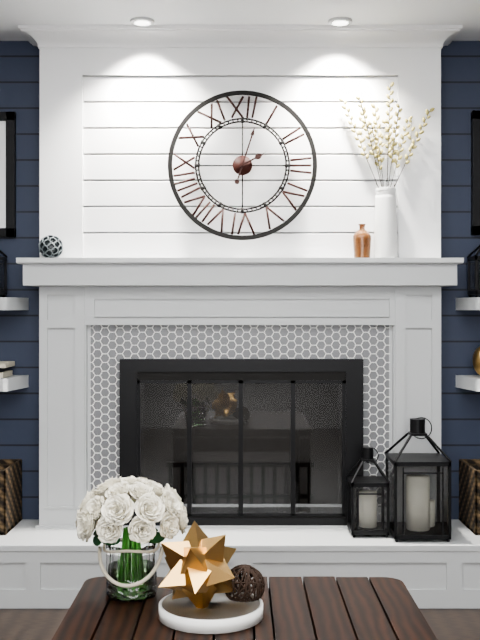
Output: 2h03
